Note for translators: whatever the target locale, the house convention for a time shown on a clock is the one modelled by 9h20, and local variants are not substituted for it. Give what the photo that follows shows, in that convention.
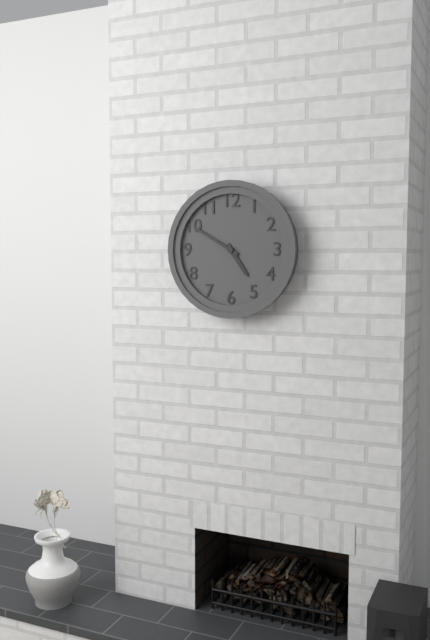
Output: 4h50
